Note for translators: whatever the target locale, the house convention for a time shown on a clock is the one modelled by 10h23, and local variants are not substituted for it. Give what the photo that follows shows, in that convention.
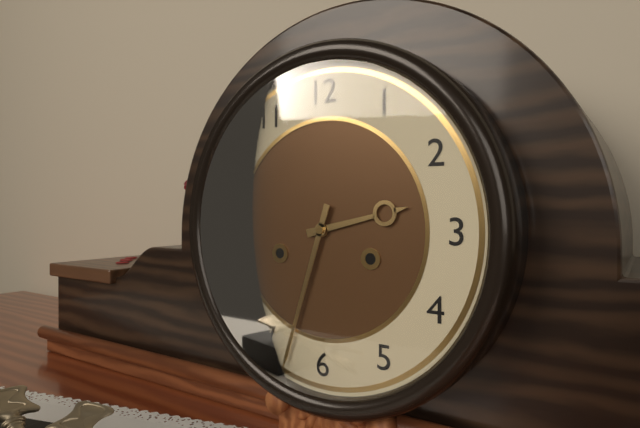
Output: 2h33
